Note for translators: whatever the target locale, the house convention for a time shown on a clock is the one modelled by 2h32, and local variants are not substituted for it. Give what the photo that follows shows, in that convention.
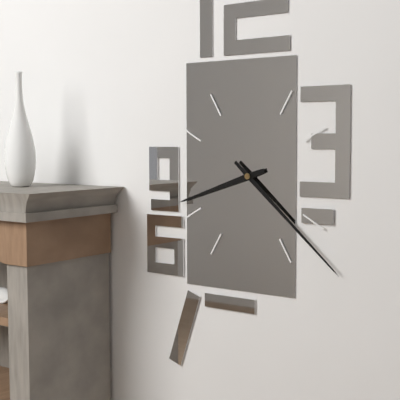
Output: 8h22
